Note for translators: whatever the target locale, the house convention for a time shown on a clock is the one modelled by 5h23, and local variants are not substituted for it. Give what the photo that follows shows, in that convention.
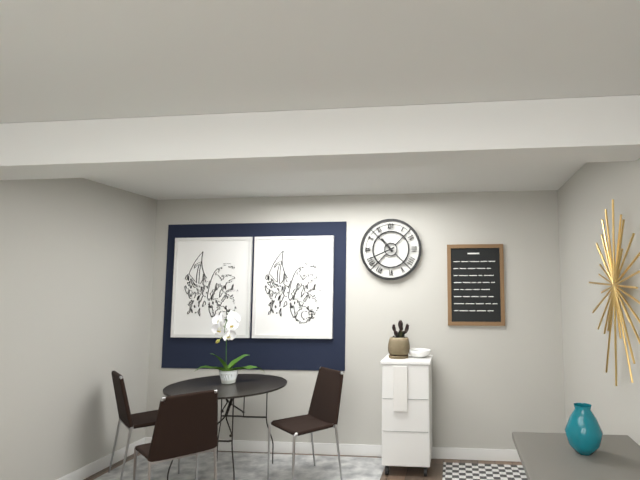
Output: 10h41
